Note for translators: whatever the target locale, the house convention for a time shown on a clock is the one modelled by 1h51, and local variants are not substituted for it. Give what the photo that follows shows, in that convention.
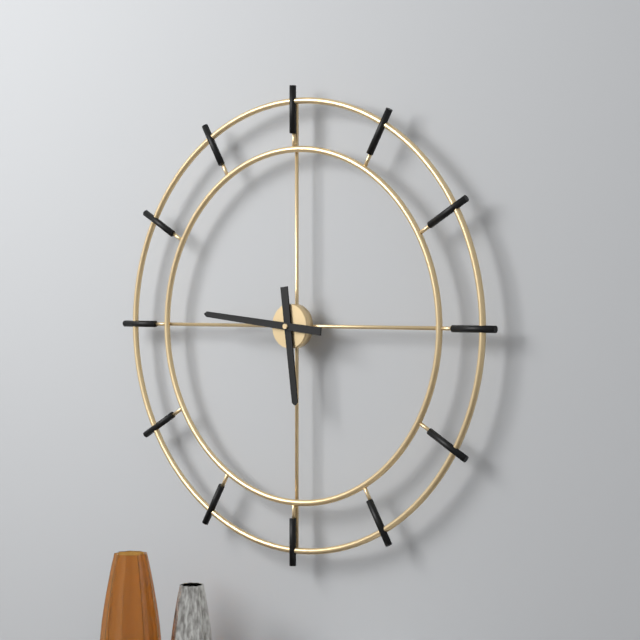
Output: 5h46
